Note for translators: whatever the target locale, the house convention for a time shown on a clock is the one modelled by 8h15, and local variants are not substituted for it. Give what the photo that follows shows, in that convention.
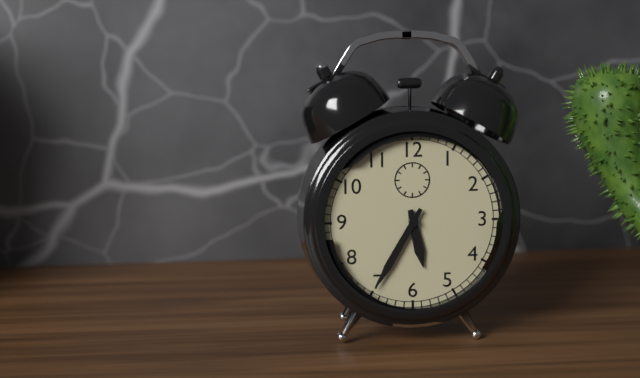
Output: 5h35
